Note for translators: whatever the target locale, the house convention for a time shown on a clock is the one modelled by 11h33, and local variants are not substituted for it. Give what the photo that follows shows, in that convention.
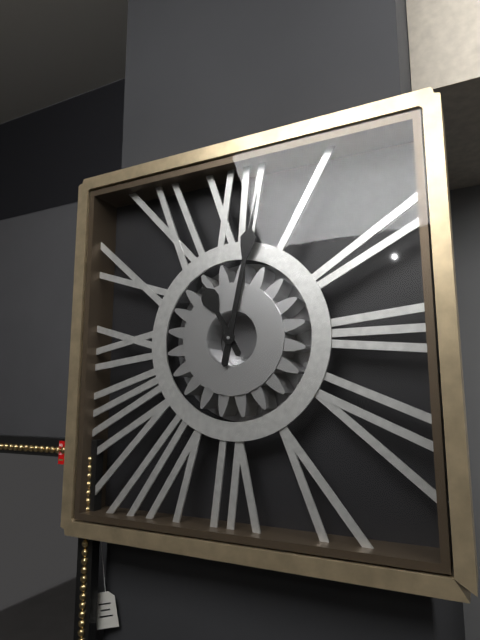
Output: 11h02
